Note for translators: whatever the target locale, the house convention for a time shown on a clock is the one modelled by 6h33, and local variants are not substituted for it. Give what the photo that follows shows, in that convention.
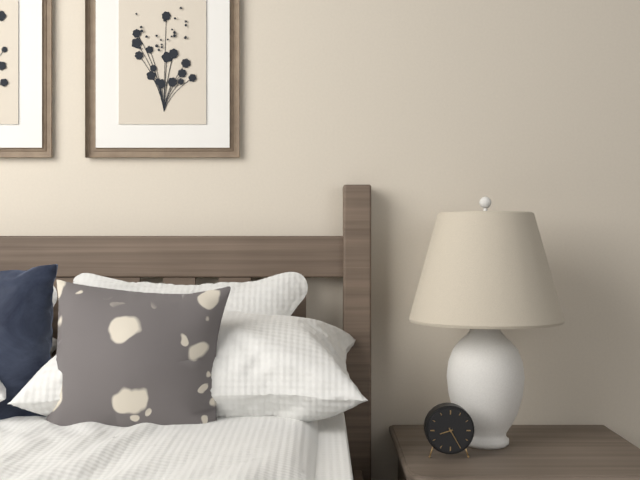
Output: 8h25
